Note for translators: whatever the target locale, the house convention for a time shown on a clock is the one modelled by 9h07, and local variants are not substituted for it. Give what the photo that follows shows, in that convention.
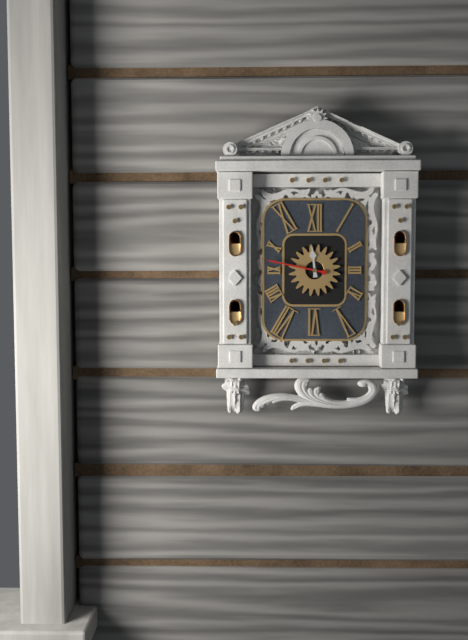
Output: 11h47
